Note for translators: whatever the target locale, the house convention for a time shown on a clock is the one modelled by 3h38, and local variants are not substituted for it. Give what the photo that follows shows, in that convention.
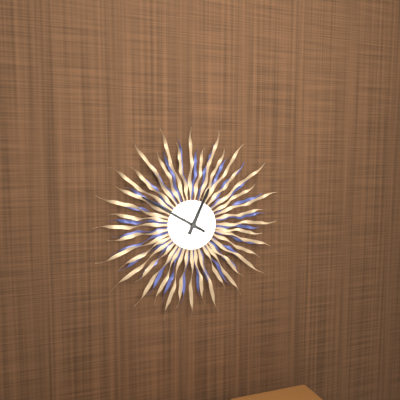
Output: 12h50
